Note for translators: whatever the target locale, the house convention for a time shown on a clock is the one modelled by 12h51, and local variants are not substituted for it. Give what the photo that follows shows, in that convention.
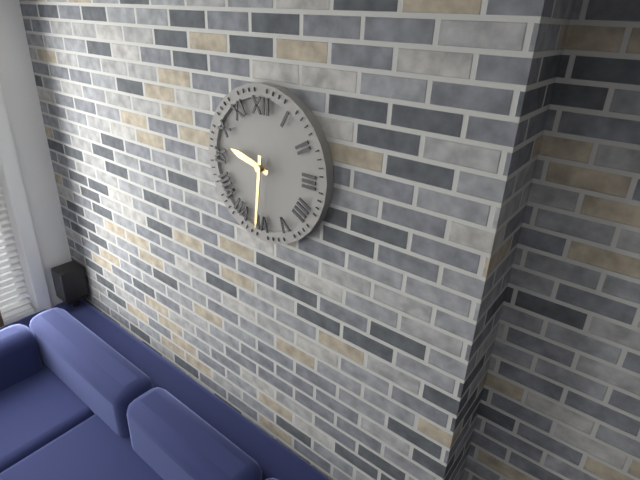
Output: 9h31
